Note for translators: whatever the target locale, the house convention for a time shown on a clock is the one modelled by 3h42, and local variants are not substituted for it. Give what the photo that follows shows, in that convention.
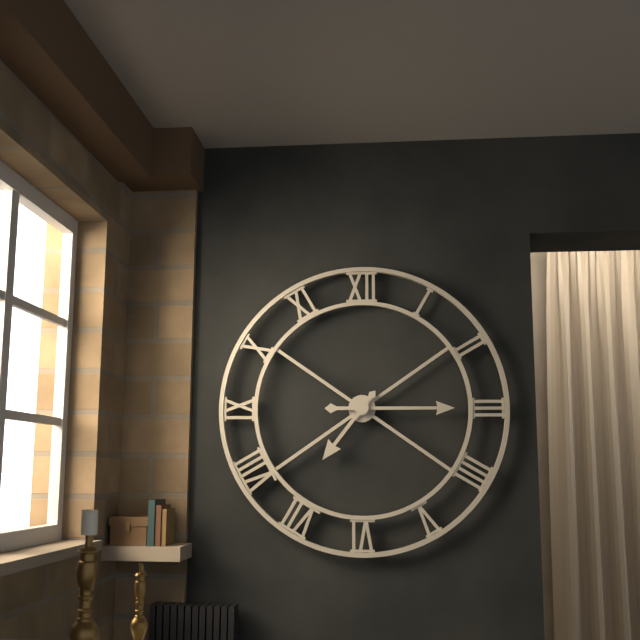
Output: 7h15
